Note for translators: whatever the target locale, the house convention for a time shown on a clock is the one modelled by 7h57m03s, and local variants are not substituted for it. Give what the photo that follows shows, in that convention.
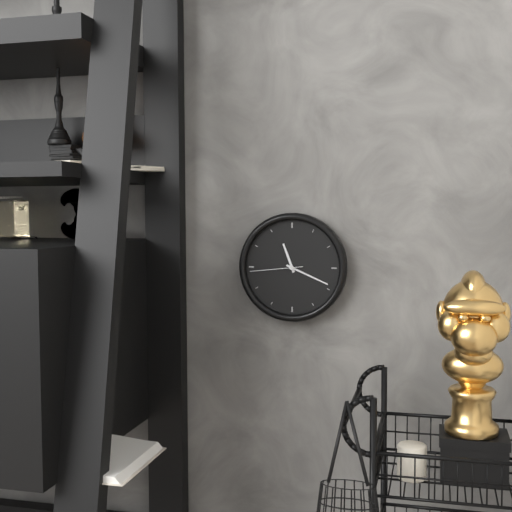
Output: 11h19m44s
